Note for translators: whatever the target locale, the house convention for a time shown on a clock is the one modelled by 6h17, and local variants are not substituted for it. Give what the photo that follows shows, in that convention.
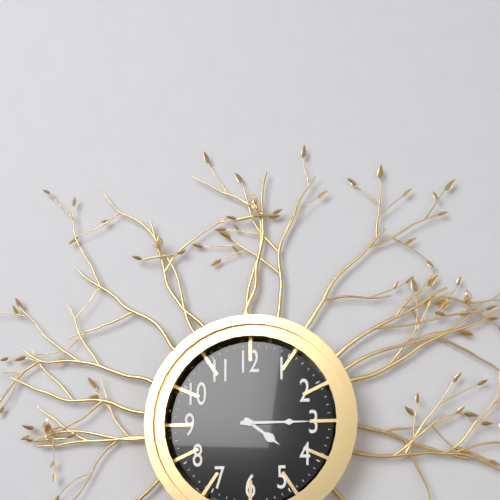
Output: 4h15
